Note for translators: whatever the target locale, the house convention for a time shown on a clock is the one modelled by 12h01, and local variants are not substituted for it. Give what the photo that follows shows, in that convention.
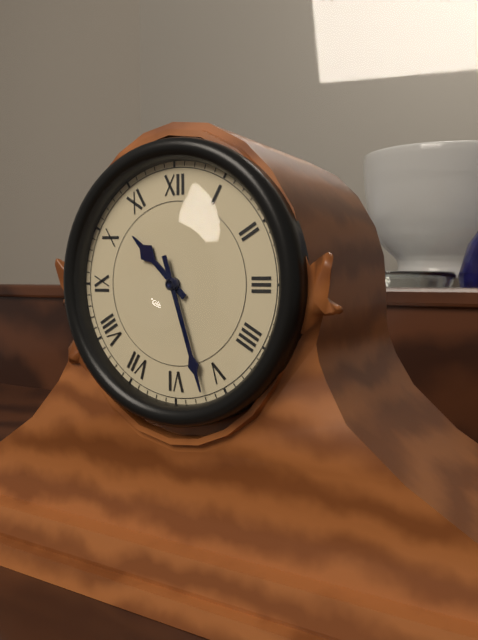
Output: 10h27
